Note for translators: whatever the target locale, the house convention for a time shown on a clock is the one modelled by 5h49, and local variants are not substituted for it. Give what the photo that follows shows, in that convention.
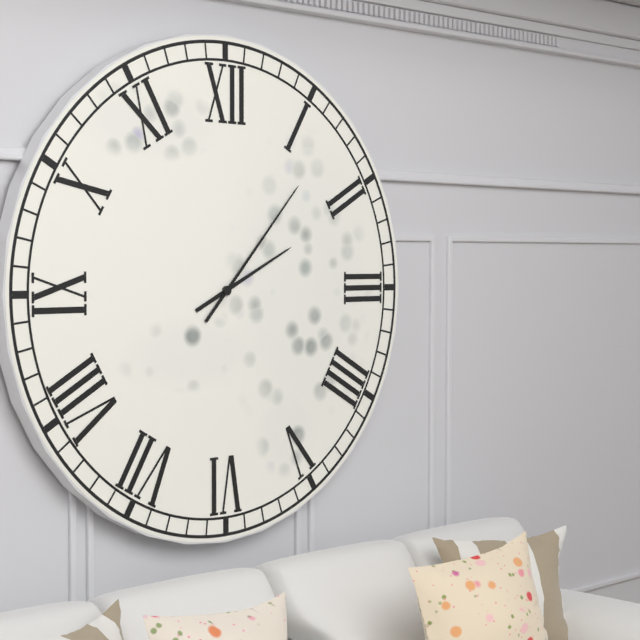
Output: 2h07
